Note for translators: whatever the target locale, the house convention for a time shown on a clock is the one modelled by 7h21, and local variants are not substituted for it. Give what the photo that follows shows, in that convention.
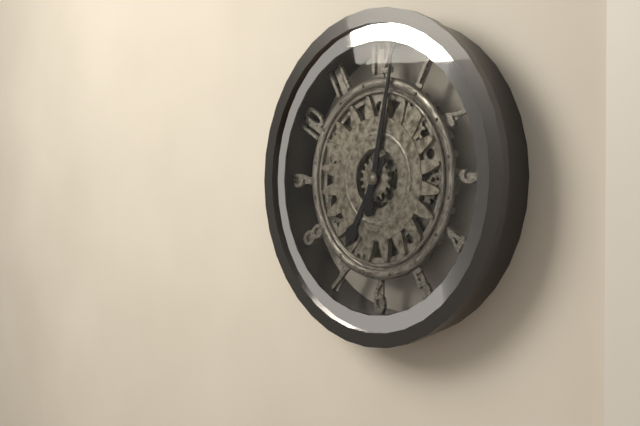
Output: 7h02
